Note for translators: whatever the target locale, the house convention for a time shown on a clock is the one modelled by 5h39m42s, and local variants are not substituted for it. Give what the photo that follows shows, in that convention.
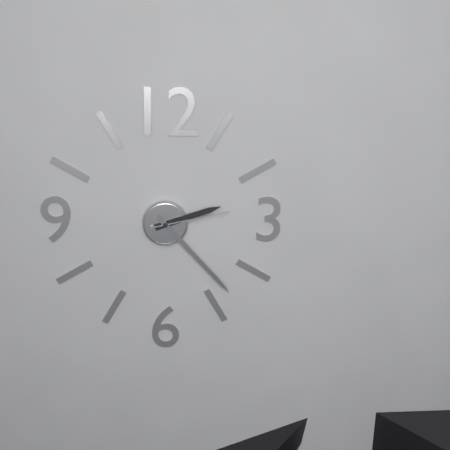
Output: 2h23m13s
